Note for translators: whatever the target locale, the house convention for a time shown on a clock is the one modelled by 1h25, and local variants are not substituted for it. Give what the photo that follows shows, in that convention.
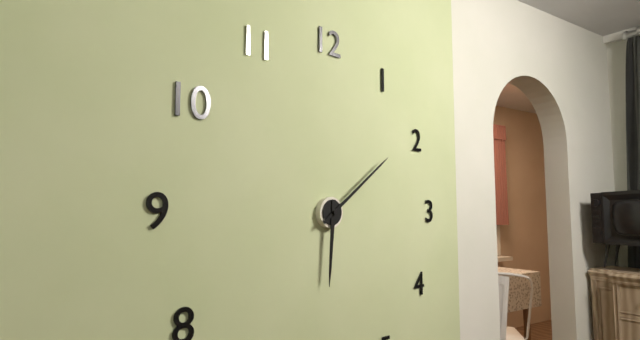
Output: 6h09
